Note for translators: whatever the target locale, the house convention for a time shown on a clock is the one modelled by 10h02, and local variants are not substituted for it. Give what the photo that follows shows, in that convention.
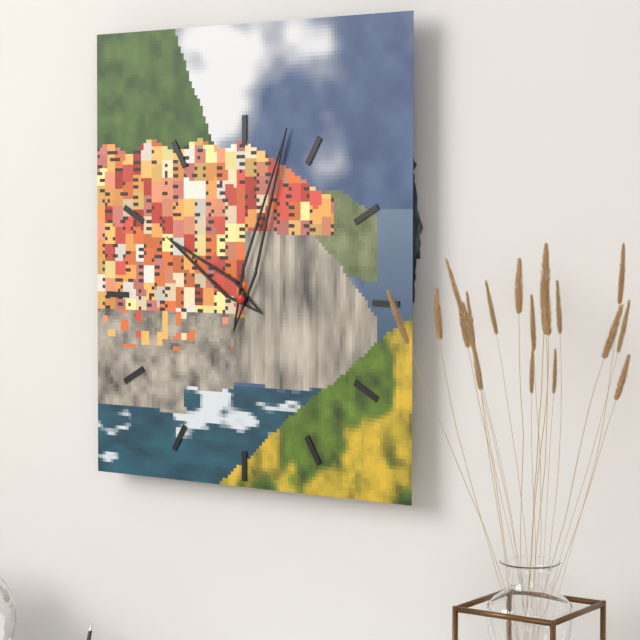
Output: 10h03
